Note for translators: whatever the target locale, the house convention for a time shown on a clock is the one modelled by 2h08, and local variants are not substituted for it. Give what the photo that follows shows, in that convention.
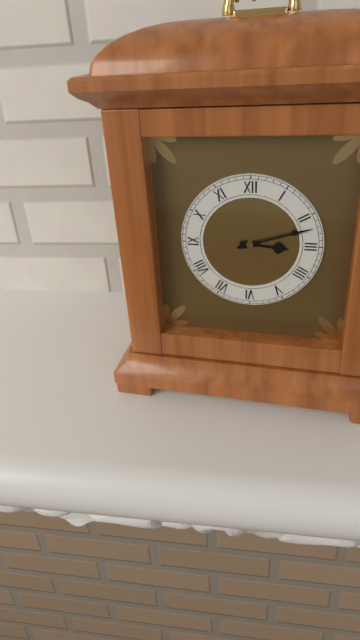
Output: 3h12
